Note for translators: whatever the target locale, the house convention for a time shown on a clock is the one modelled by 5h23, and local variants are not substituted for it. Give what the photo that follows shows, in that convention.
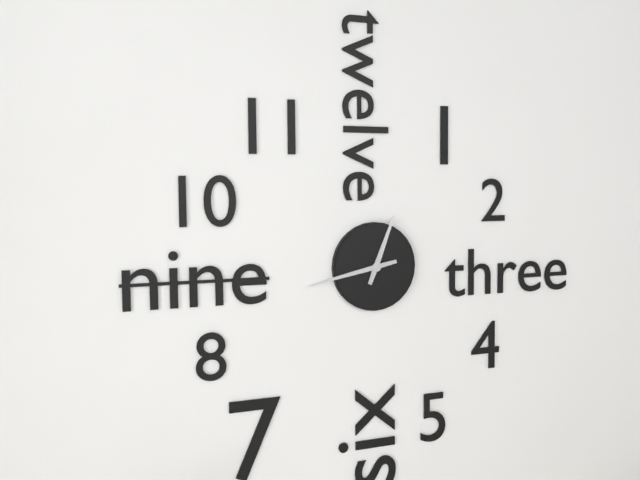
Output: 12h43
